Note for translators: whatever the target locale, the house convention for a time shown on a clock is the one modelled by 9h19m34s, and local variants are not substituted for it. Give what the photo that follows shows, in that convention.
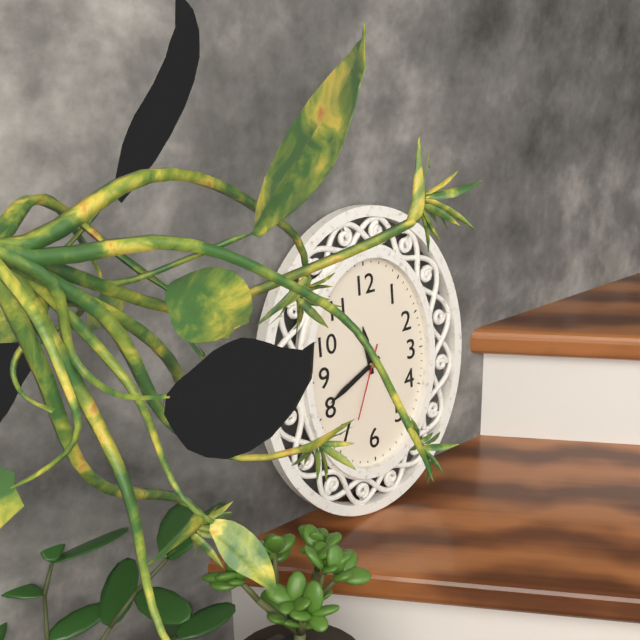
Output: 11h41m34s
